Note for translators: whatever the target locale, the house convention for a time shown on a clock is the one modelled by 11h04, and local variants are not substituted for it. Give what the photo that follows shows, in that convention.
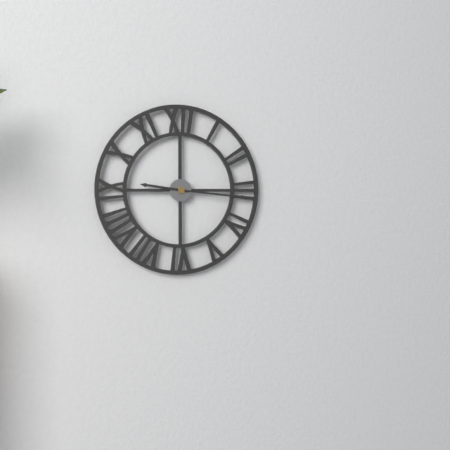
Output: 9h16
